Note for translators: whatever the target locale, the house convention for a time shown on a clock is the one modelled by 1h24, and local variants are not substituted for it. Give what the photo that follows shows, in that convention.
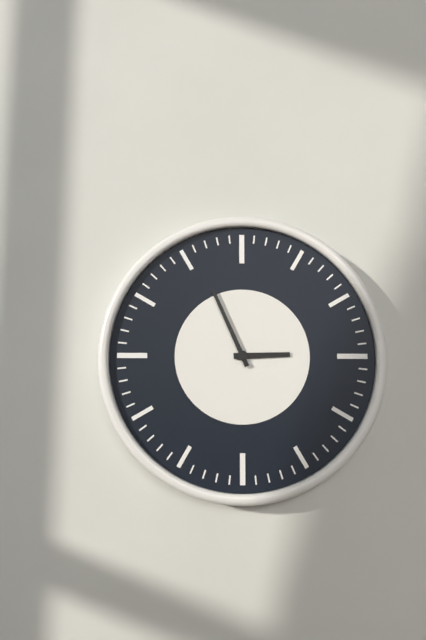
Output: 2h56
